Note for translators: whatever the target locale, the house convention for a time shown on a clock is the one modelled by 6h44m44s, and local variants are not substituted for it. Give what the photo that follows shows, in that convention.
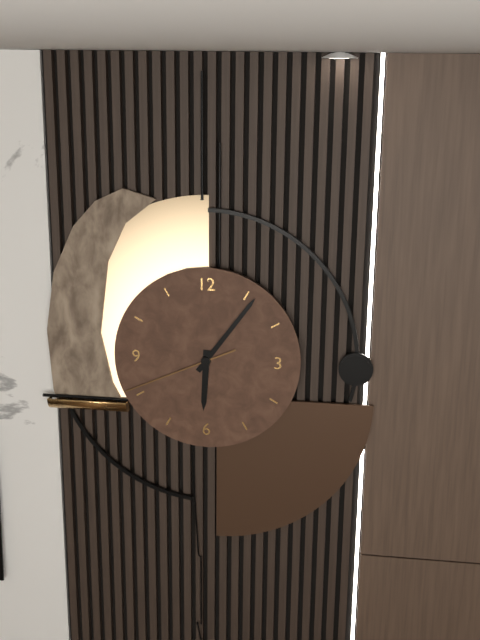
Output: 6h06m41s
